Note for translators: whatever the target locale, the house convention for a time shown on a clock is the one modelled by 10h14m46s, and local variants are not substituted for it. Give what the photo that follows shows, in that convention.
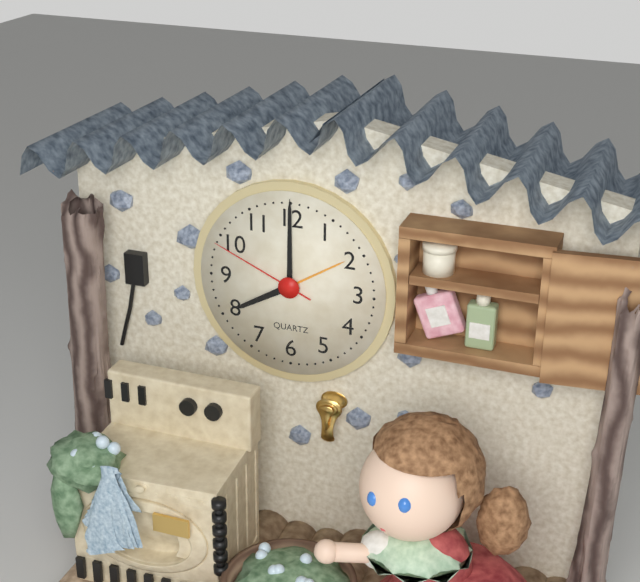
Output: 8h00m49s
